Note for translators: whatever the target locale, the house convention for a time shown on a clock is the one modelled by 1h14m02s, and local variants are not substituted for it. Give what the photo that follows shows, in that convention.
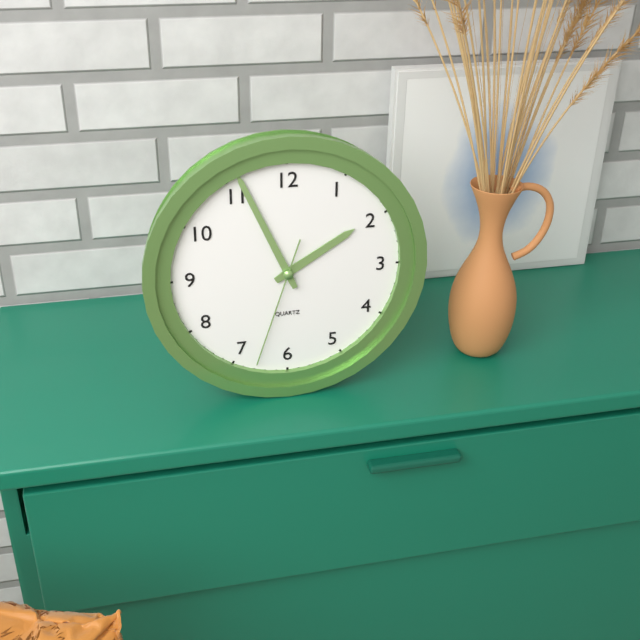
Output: 1h56m33s
